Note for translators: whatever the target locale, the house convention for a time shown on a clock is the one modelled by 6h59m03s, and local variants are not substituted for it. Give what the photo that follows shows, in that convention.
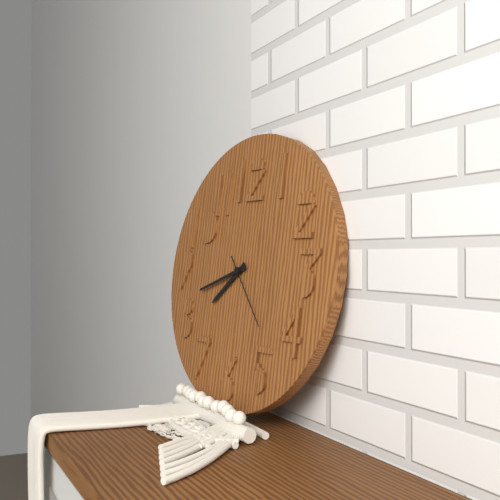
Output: 7h42m23s
